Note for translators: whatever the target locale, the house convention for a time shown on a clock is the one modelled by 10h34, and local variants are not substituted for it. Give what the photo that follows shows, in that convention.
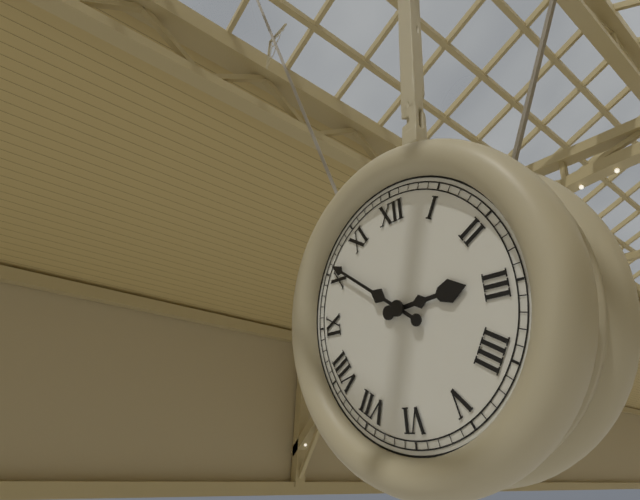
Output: 2h51
